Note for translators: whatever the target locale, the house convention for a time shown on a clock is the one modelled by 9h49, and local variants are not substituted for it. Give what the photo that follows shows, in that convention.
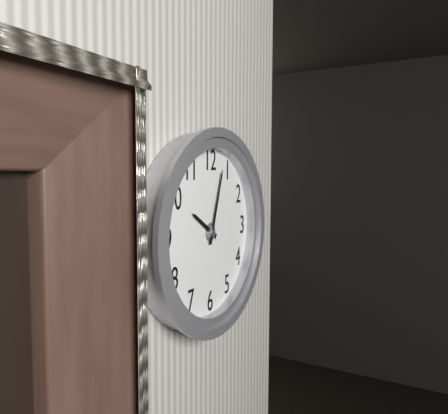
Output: 10h03
